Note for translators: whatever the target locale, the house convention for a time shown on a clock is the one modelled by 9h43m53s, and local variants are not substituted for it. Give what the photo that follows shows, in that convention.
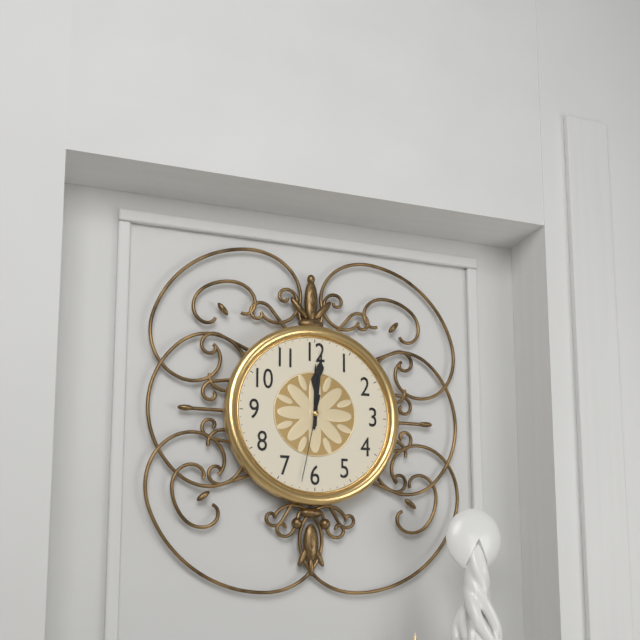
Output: 12h01m32s
